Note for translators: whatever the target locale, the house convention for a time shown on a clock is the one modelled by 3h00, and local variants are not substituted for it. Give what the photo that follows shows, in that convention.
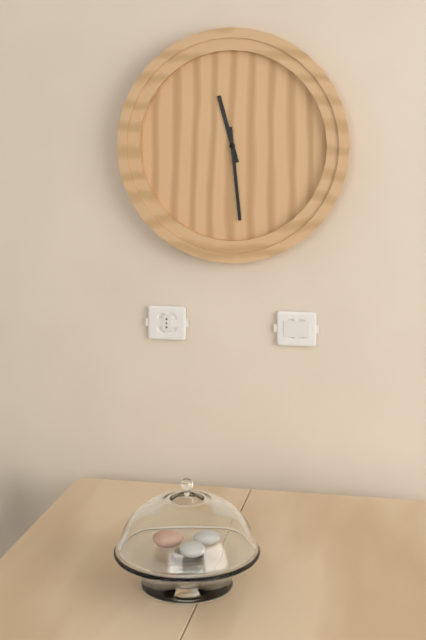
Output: 11h29
